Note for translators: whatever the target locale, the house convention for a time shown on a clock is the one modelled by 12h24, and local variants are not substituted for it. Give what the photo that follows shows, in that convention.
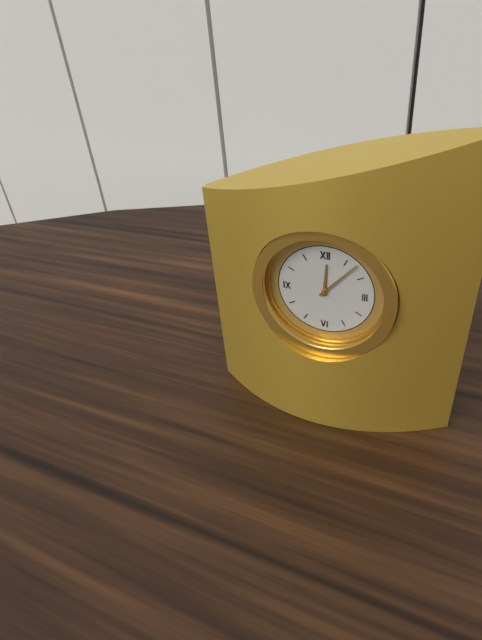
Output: 12h07
